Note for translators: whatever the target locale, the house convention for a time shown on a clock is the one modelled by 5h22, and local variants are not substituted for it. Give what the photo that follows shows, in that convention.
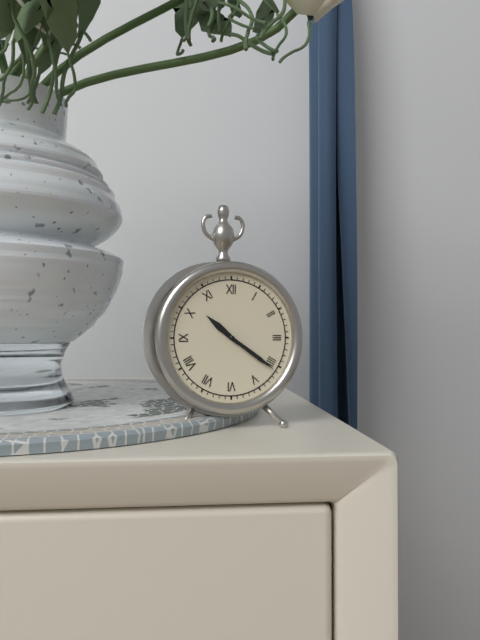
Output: 10h21
